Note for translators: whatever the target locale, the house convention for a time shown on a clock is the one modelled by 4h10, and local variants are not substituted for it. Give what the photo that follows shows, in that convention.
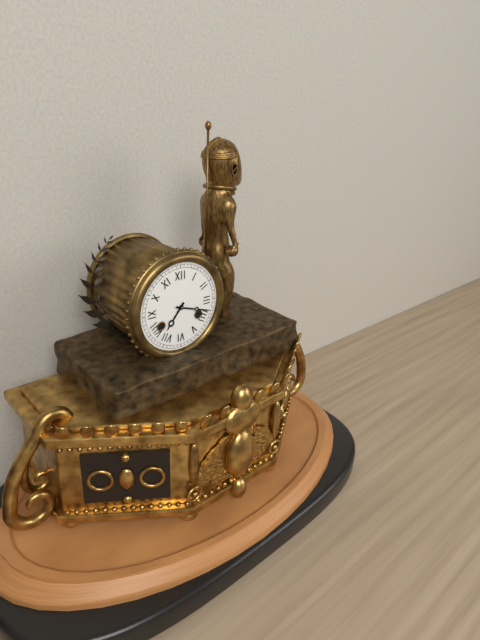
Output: 7h18
